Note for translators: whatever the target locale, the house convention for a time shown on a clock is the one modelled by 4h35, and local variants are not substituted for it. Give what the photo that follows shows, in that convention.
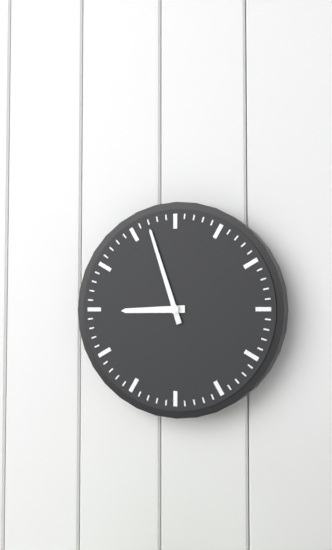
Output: 8h57
